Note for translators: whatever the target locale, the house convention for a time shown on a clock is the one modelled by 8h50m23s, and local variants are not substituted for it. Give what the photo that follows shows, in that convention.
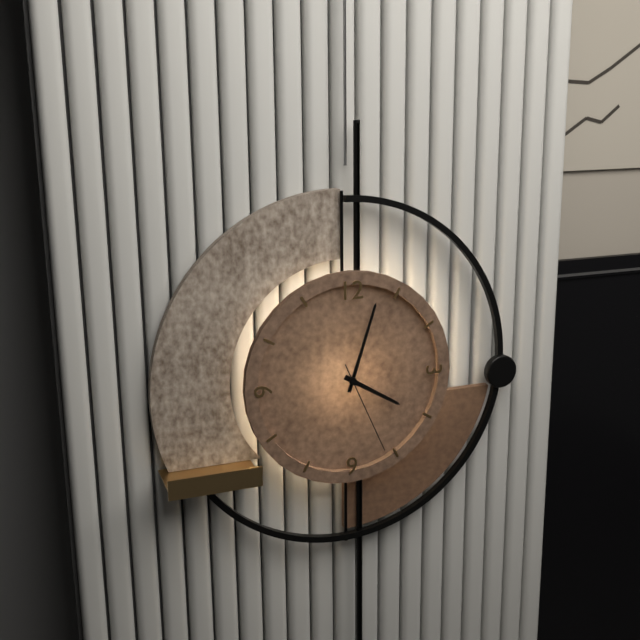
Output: 4h03m26s
